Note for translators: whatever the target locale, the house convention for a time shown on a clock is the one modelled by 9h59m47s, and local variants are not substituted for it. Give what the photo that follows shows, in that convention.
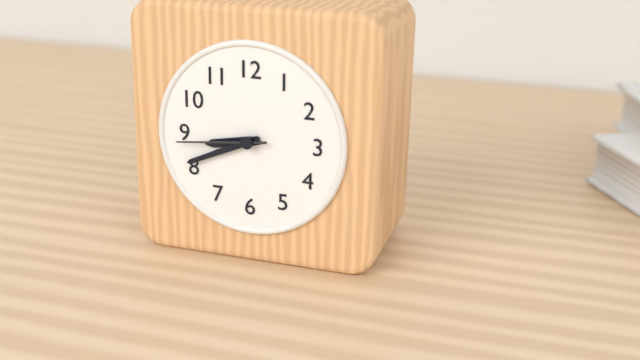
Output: 8h41m44s
